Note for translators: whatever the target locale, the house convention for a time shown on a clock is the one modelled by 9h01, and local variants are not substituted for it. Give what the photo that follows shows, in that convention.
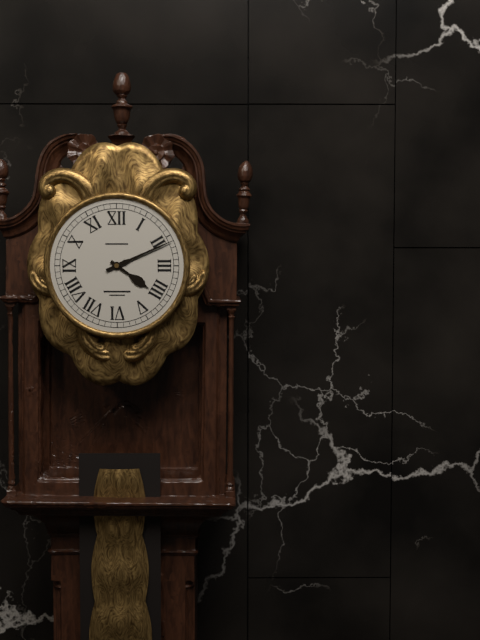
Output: 4h11
